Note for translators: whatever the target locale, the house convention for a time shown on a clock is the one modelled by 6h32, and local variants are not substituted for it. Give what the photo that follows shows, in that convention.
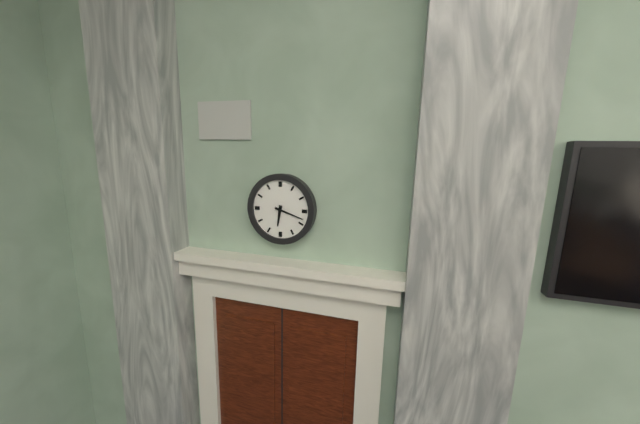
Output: 6h18
